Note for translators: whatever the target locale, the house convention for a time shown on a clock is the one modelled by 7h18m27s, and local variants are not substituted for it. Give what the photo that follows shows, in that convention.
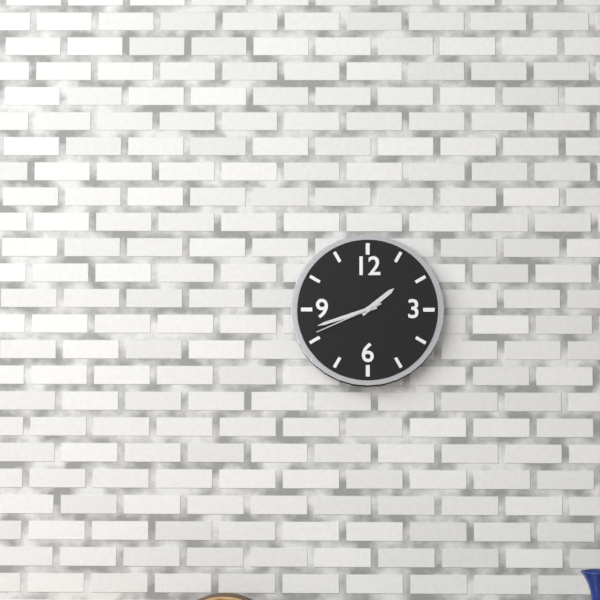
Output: 1h42m41s
